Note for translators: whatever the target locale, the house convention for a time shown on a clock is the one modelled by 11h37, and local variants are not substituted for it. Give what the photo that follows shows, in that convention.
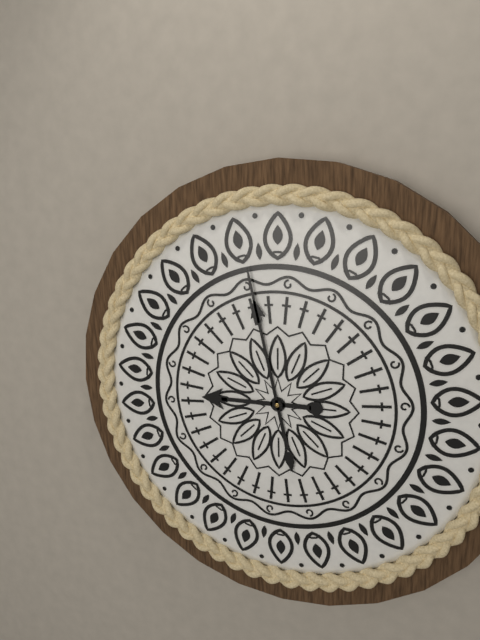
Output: 8h58
